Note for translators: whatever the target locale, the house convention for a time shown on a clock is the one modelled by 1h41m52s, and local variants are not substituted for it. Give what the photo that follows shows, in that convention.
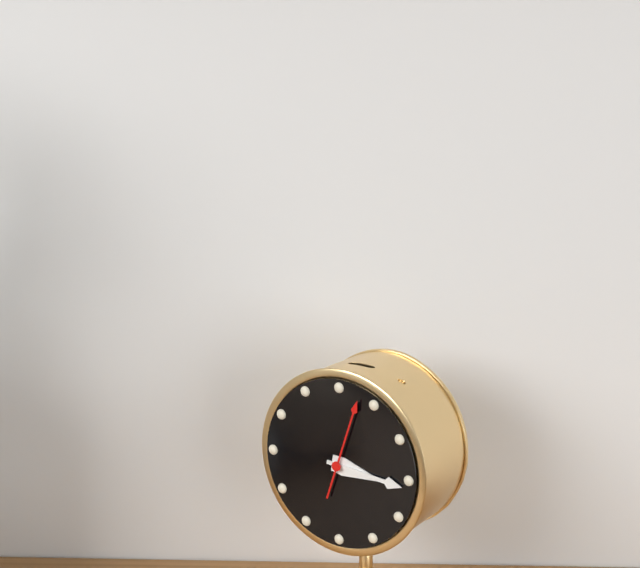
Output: 3h16m03s
